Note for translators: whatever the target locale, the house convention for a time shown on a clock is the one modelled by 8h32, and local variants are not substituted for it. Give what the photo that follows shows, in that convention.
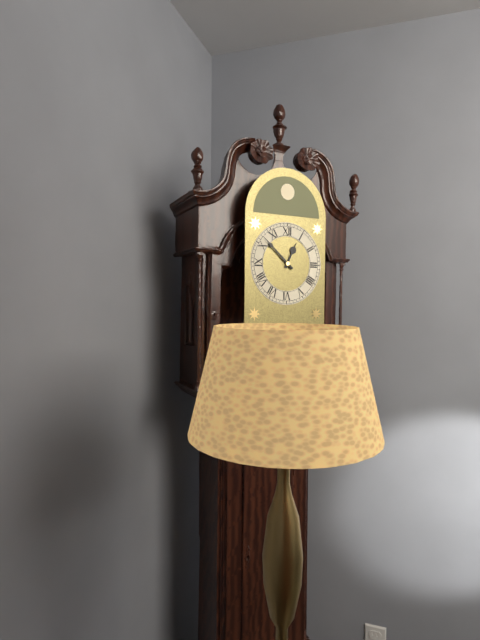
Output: 12h52
